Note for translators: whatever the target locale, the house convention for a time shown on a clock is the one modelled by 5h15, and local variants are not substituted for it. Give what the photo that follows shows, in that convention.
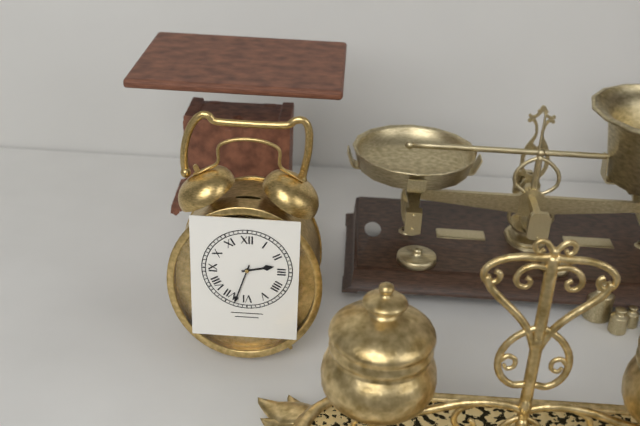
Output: 2h33
